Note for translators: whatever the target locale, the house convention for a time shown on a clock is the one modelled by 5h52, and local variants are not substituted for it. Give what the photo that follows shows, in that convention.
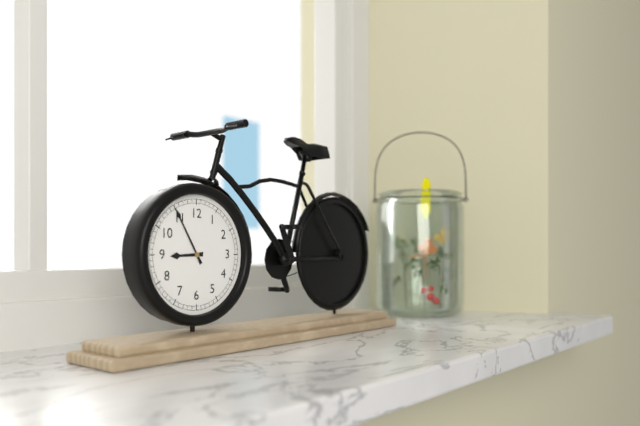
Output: 8h55
